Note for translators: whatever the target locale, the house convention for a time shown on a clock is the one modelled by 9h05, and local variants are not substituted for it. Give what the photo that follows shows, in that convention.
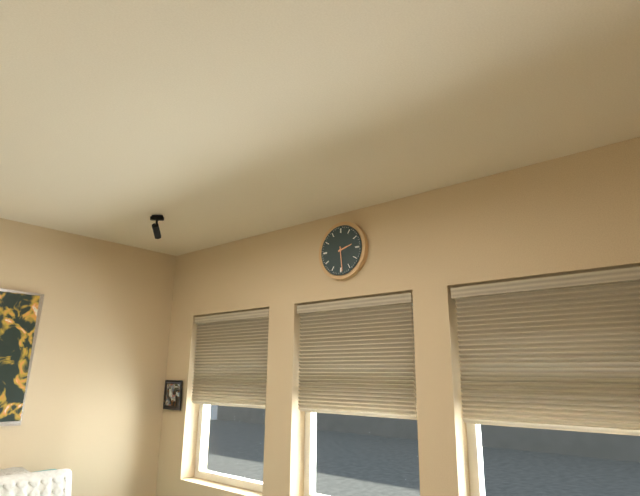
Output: 2h29
